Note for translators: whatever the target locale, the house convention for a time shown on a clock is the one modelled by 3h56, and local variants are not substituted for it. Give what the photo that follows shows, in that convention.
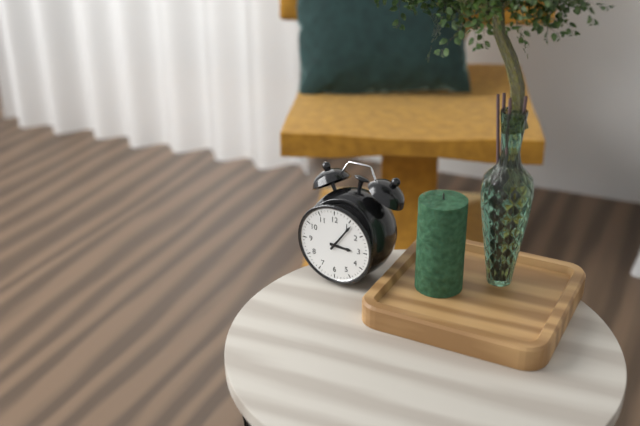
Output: 3h06
